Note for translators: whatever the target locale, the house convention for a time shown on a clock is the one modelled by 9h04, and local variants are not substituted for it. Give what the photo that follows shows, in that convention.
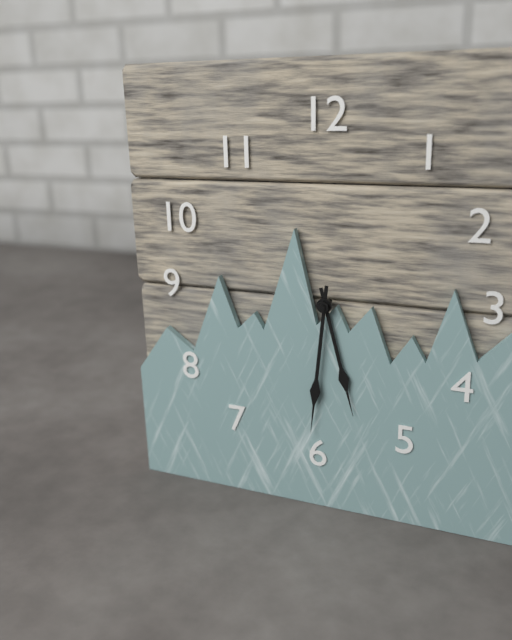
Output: 5h31
